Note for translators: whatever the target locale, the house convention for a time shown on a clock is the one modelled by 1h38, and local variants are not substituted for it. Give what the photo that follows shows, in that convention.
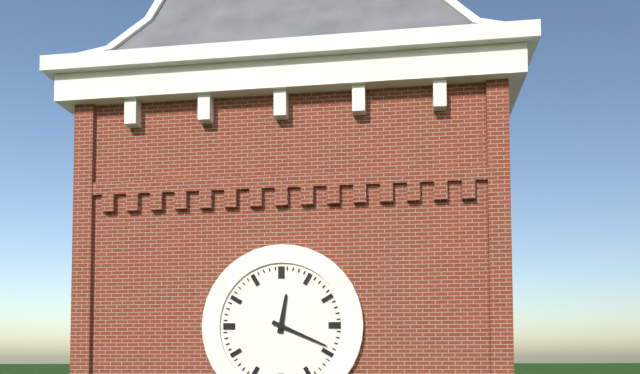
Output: 12h19
